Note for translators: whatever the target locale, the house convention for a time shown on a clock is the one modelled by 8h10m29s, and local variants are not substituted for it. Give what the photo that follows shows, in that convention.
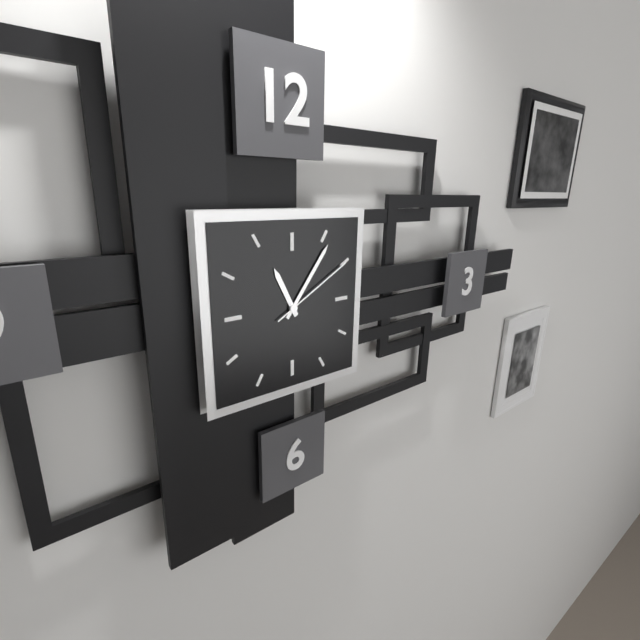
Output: 11h06m10s
